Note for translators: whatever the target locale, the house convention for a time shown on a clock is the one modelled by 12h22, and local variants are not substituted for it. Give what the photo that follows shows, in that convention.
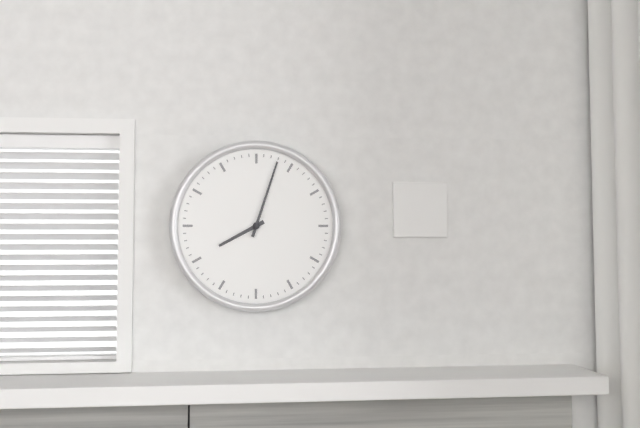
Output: 8h03
